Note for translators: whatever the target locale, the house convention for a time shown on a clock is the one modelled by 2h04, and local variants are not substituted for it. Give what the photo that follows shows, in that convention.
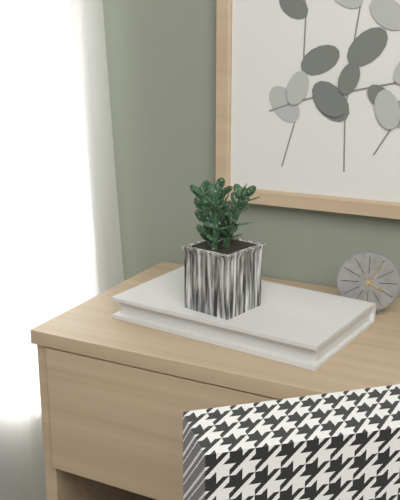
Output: 4h05
